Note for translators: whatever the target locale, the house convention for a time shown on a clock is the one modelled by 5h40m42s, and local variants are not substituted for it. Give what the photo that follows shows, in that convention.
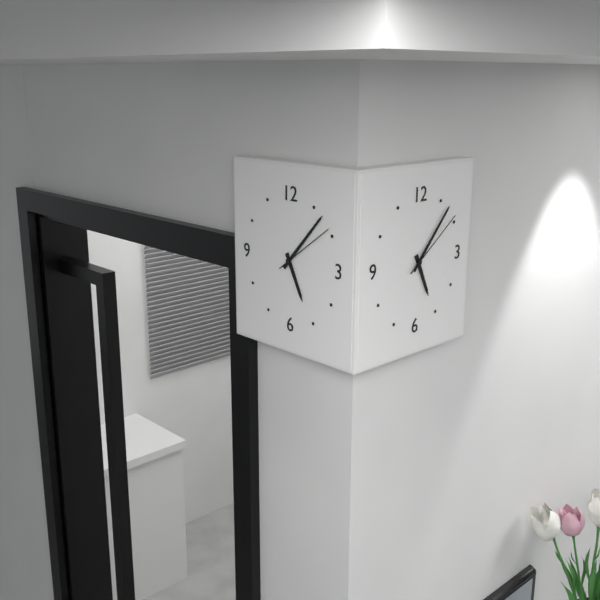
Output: 5h07m09s
